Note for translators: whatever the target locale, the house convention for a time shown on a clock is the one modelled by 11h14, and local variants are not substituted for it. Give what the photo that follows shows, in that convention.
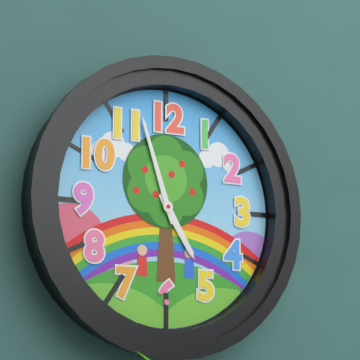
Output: 4h57
